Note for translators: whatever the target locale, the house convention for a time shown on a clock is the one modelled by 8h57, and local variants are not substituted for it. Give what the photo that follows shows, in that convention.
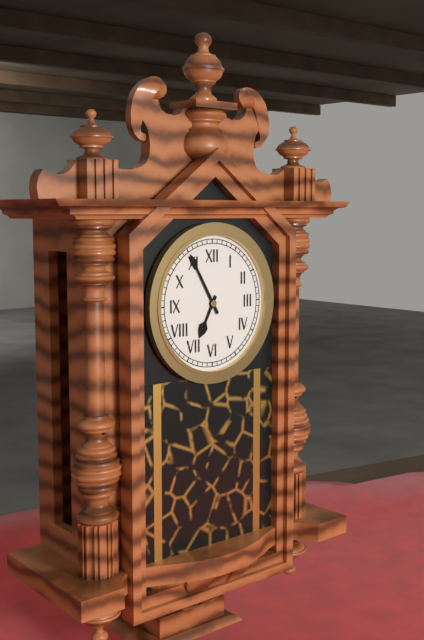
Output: 6h55
